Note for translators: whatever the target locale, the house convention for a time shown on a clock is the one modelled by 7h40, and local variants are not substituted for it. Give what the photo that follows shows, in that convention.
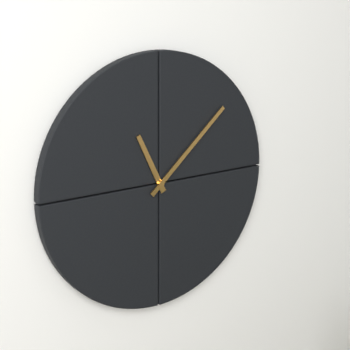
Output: 11h08
